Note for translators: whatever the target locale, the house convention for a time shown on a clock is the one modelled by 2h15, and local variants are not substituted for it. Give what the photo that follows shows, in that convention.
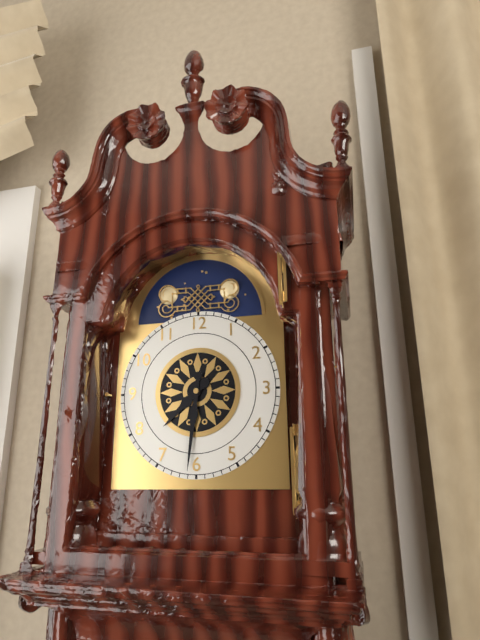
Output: 7h31
